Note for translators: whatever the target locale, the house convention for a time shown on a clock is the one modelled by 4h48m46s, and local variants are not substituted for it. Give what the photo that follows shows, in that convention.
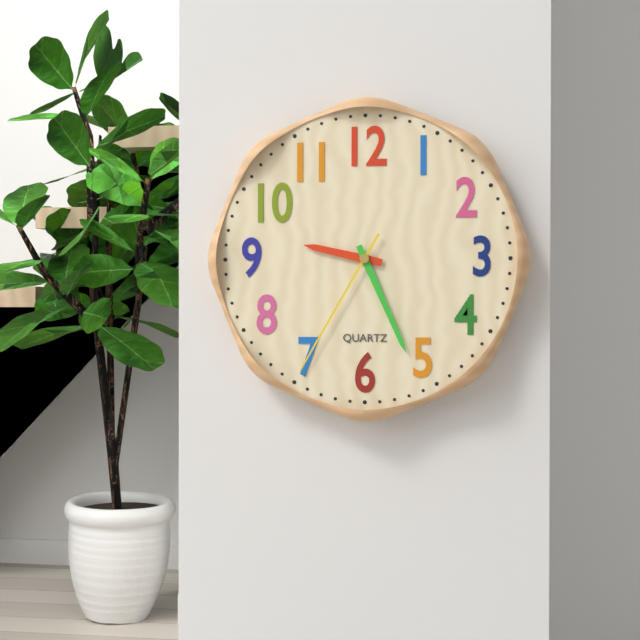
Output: 9h26m35s
